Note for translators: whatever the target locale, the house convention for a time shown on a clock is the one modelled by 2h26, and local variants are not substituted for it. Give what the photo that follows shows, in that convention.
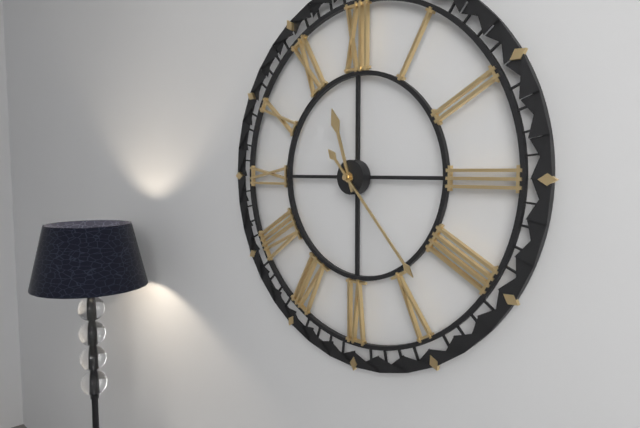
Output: 11h23
